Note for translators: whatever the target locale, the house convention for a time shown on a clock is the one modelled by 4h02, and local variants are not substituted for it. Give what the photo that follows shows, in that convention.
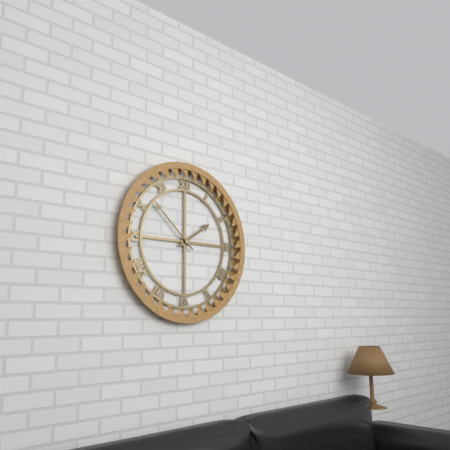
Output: 1h52
